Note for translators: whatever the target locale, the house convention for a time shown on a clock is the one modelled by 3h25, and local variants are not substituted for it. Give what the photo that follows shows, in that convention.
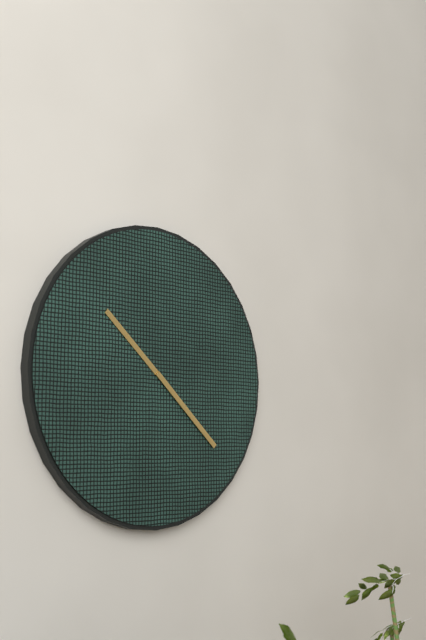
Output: 10h22
